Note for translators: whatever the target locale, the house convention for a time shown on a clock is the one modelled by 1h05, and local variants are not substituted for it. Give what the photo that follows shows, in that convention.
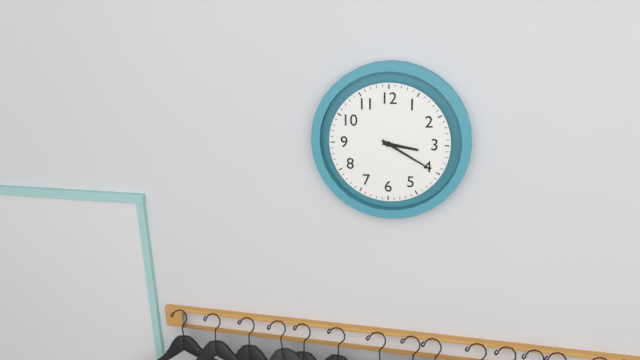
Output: 3h20
